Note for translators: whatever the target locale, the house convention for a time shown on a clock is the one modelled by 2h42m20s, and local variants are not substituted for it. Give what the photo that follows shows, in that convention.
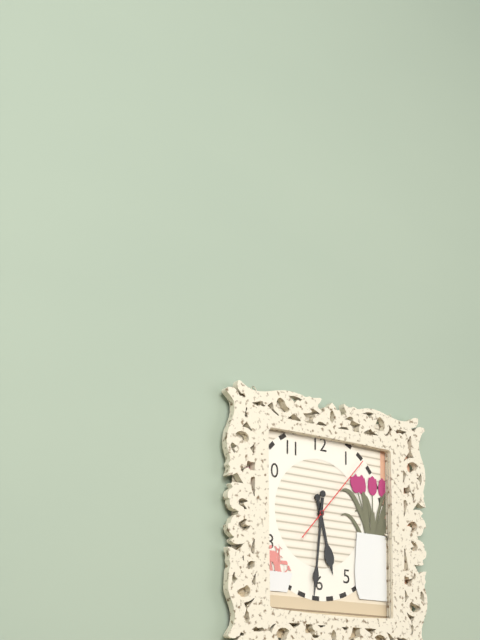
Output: 5h31m07s
